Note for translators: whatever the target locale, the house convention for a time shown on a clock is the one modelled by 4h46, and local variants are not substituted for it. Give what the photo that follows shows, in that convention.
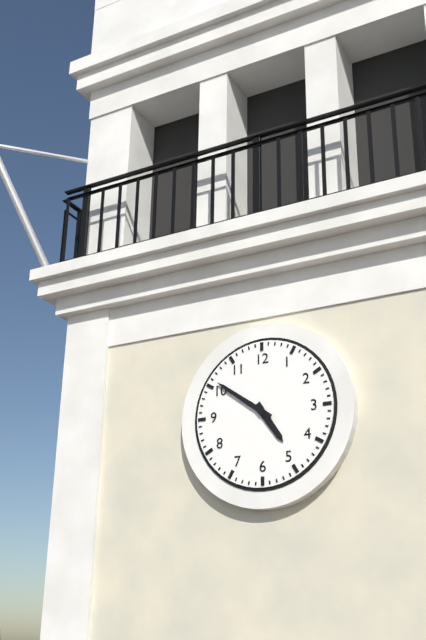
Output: 4h51
